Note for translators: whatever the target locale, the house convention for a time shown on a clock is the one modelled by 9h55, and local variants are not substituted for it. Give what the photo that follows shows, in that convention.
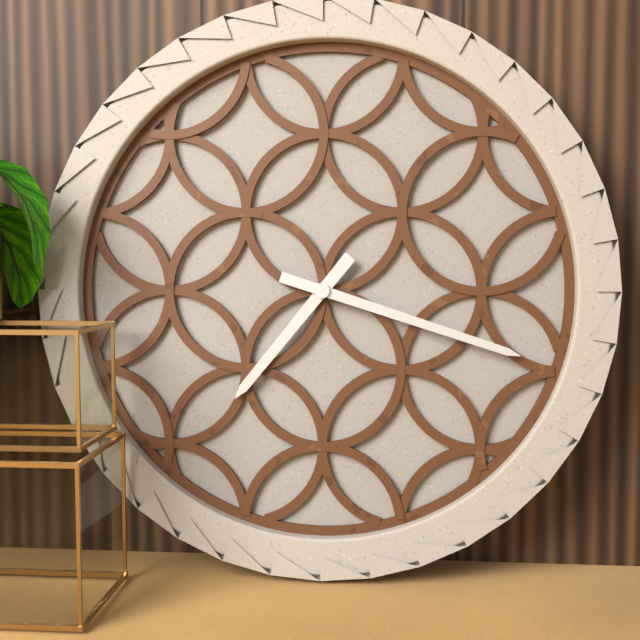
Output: 7h18
